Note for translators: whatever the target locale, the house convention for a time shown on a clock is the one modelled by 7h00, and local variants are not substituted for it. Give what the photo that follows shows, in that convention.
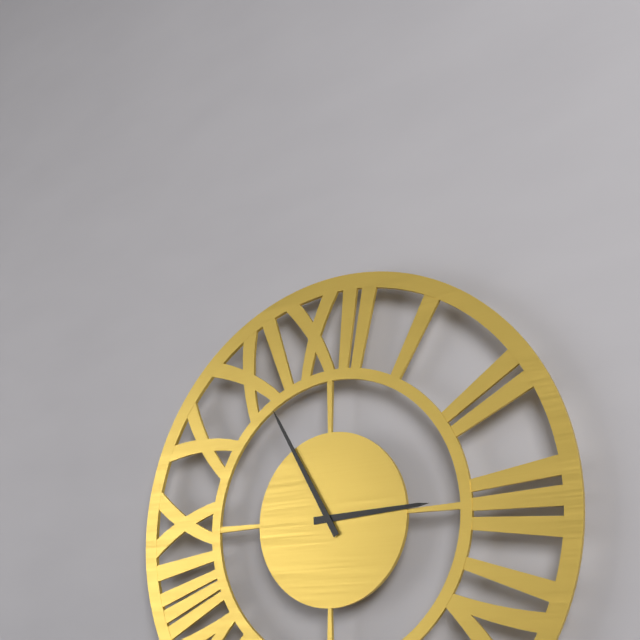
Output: 2h55
